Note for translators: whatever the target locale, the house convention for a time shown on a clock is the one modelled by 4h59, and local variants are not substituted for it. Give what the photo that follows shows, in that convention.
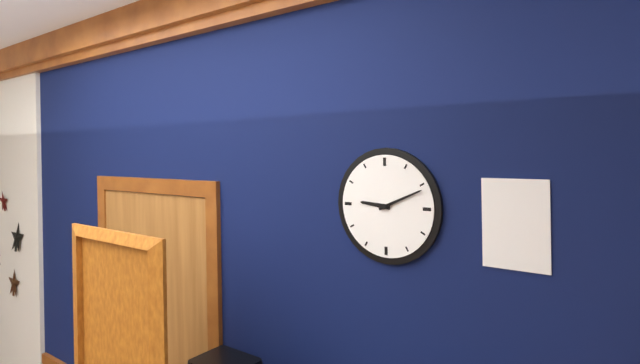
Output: 9h11
